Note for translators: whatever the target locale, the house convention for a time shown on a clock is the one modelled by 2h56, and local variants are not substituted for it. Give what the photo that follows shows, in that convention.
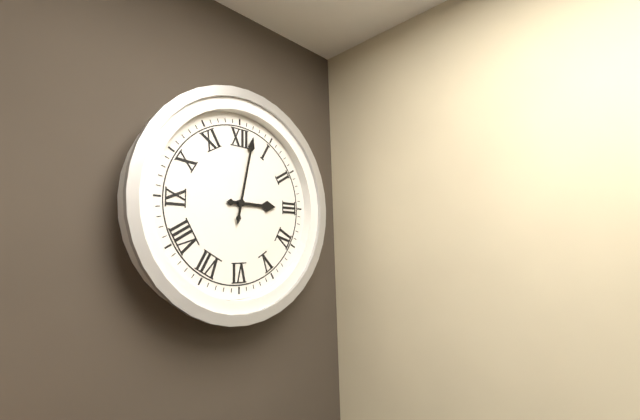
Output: 3h02
